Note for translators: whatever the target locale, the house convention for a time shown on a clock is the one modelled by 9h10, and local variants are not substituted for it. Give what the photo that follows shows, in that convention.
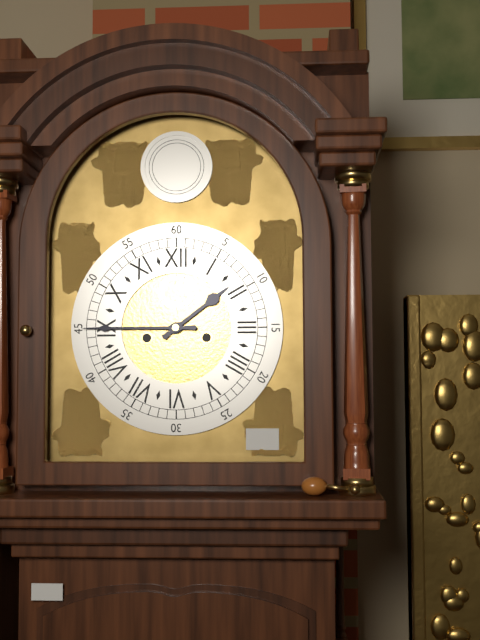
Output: 1h45
